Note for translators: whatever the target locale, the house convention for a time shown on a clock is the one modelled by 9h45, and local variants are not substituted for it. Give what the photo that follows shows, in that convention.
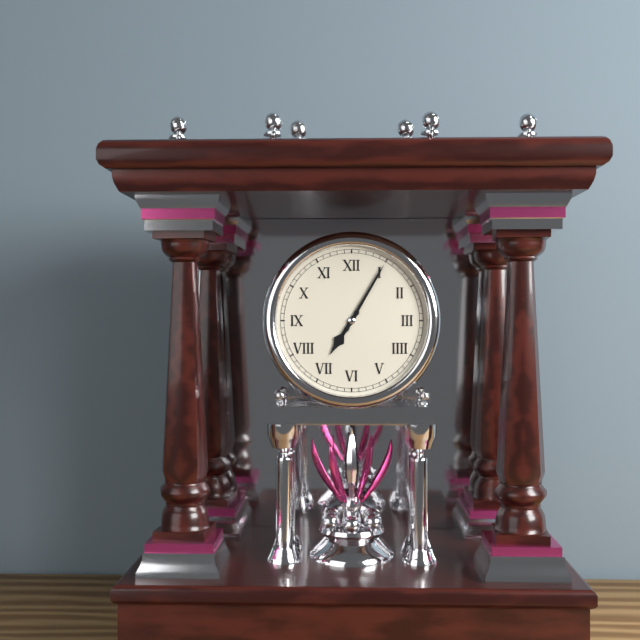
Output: 7h05
